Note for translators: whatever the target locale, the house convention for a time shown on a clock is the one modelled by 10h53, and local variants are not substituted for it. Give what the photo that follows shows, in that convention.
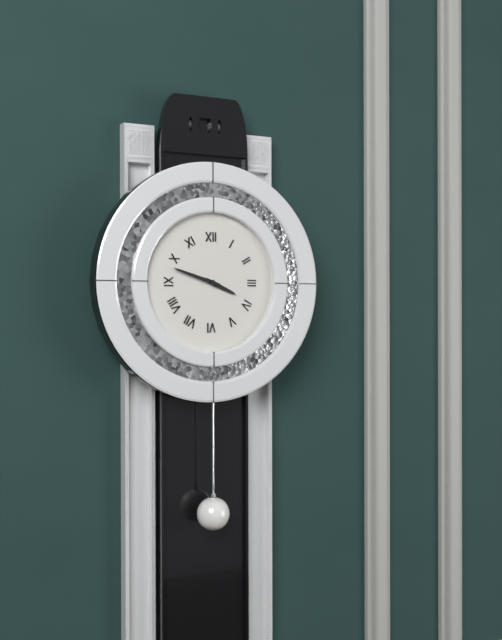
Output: 3h48
